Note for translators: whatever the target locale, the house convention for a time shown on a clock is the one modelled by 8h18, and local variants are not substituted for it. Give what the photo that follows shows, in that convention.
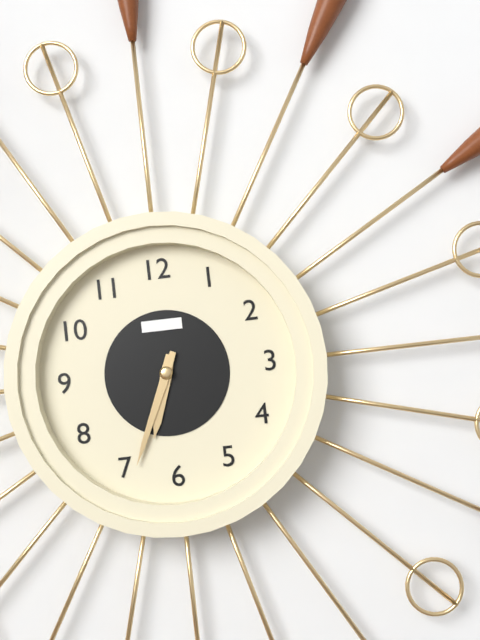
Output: 6h34
